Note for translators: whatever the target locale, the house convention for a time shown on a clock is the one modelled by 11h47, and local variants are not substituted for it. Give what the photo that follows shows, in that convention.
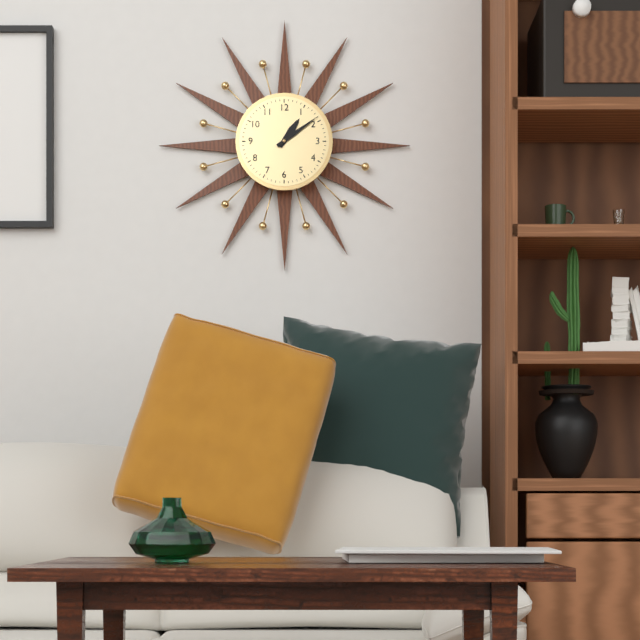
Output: 1h09
